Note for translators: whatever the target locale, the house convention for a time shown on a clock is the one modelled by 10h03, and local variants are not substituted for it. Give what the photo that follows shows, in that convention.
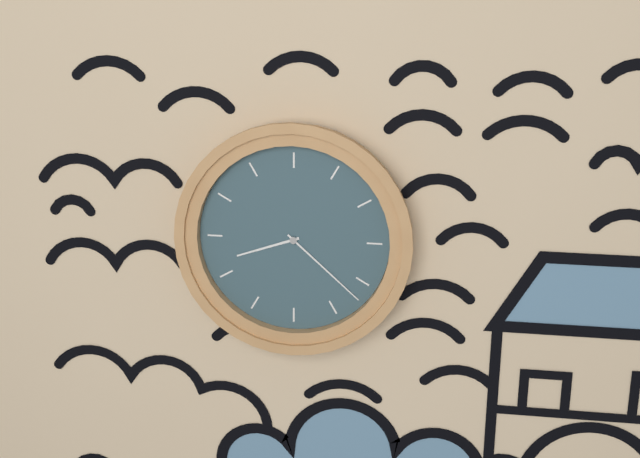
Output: 8h22
